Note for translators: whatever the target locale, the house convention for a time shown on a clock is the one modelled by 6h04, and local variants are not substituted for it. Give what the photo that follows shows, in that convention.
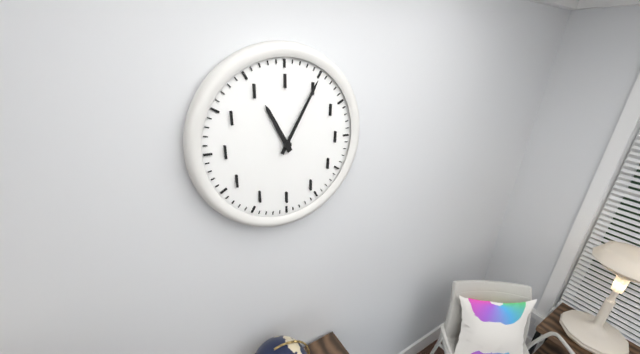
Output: 11h05
